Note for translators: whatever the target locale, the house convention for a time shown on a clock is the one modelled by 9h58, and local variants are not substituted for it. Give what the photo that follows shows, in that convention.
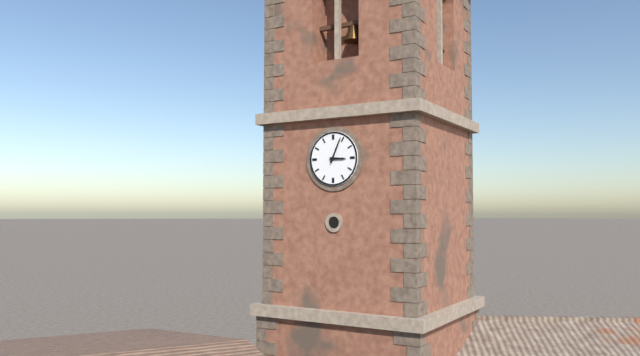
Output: 3h04
